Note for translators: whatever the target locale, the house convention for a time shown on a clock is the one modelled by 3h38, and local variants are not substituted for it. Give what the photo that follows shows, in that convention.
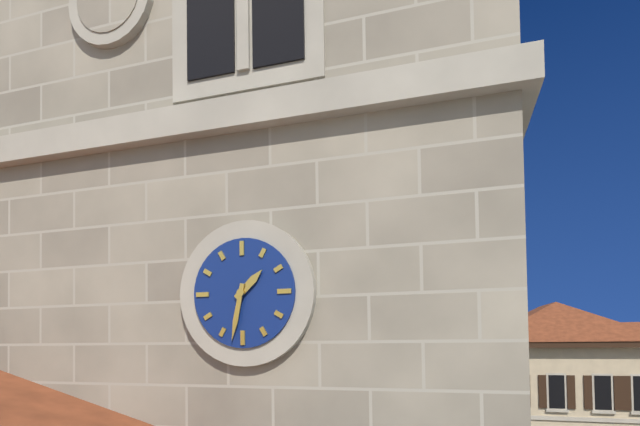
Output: 1h32
